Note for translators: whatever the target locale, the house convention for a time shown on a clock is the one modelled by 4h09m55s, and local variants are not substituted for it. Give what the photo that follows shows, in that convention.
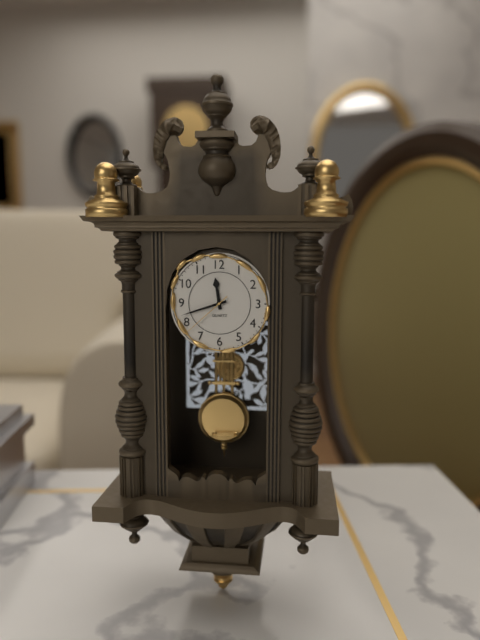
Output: 11h42m38s
